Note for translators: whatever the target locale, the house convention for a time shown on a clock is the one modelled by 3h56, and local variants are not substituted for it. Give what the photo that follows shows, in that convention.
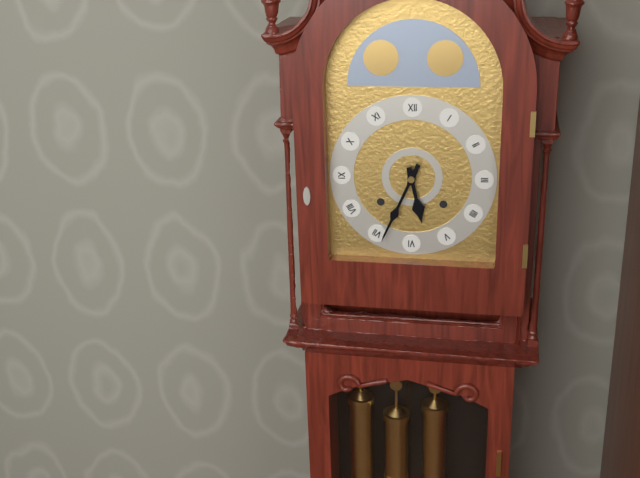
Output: 5h34
